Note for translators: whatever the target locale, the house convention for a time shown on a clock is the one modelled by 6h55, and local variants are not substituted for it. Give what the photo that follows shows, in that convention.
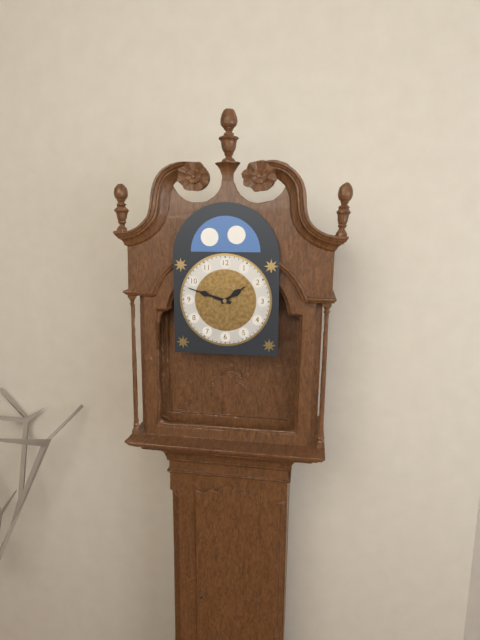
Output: 1h48
